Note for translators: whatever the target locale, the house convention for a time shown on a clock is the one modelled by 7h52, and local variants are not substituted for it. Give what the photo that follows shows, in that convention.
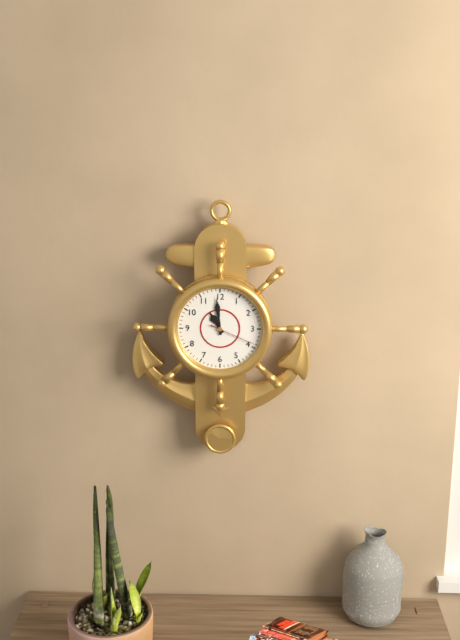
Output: 10h59
